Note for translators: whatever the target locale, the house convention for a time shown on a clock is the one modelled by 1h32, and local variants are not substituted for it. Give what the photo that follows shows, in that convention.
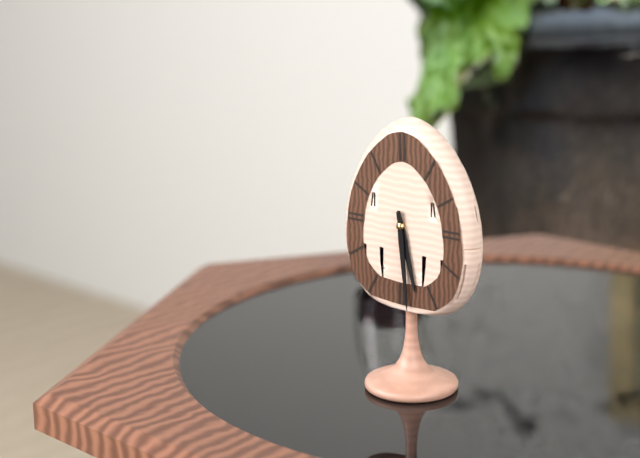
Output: 5h29
